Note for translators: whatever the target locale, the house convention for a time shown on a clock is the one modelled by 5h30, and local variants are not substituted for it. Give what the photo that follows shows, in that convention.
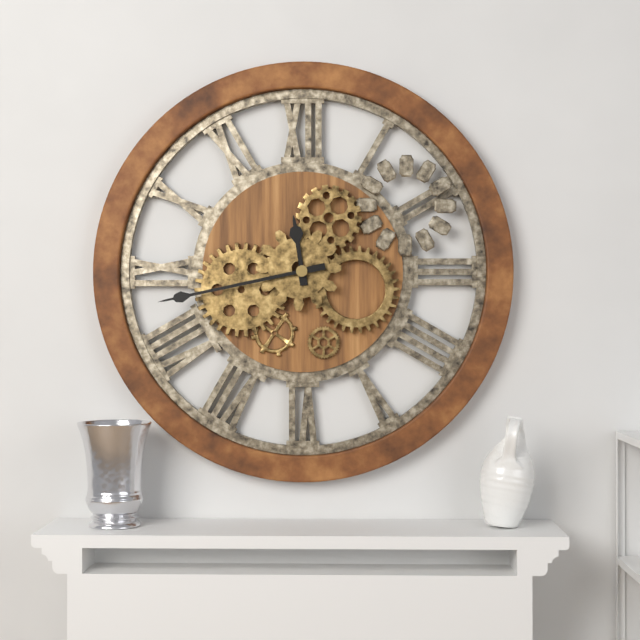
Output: 11h43
